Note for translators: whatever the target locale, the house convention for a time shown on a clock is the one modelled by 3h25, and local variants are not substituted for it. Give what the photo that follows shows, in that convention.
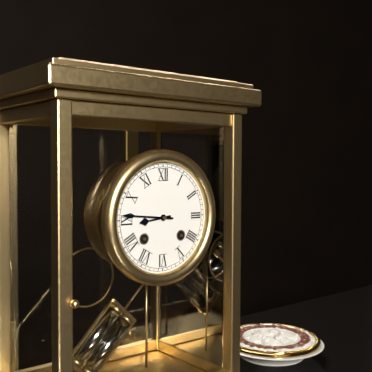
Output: 8h46
